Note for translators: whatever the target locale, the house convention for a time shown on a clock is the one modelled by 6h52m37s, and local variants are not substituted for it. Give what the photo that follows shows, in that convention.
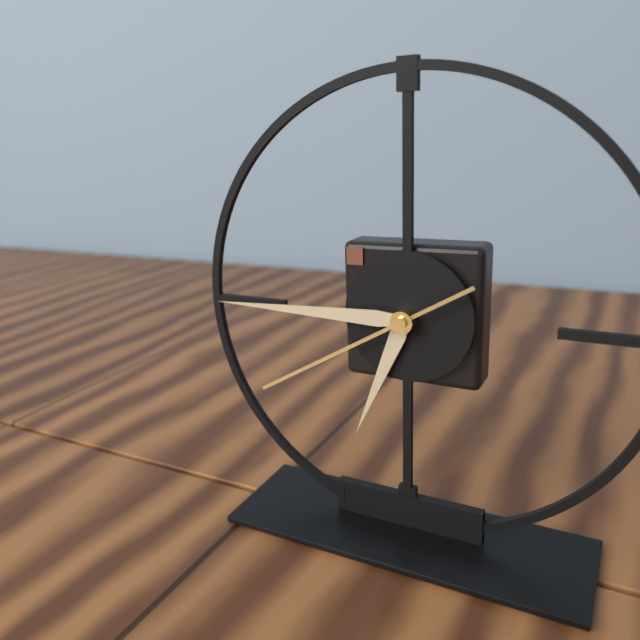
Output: 6h45m40s
